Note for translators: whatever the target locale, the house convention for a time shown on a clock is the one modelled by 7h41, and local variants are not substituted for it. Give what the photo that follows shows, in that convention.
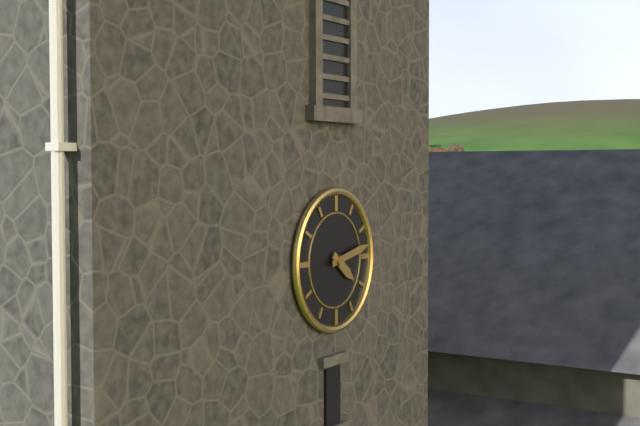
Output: 4h13
